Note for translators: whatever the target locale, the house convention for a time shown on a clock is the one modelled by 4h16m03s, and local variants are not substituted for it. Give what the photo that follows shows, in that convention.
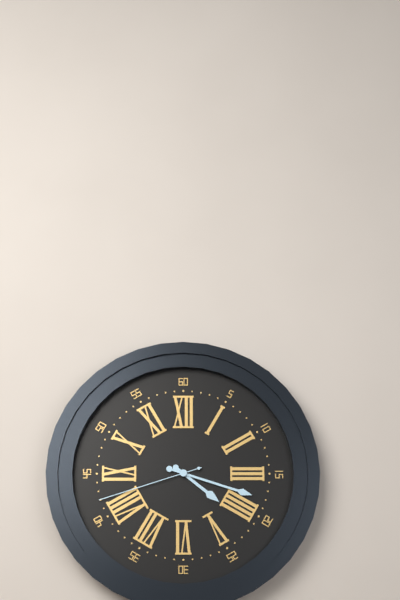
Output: 4h18m42s
